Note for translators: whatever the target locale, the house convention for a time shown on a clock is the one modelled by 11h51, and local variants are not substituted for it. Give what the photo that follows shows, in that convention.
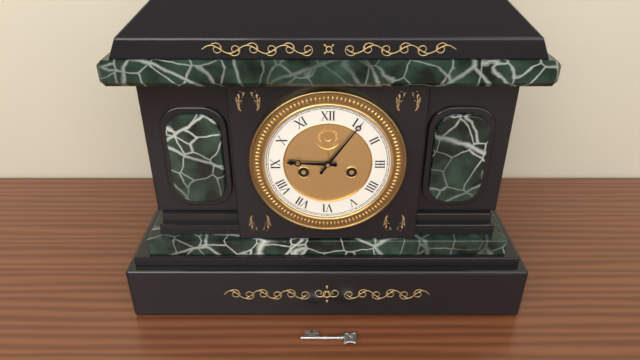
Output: 9h06
